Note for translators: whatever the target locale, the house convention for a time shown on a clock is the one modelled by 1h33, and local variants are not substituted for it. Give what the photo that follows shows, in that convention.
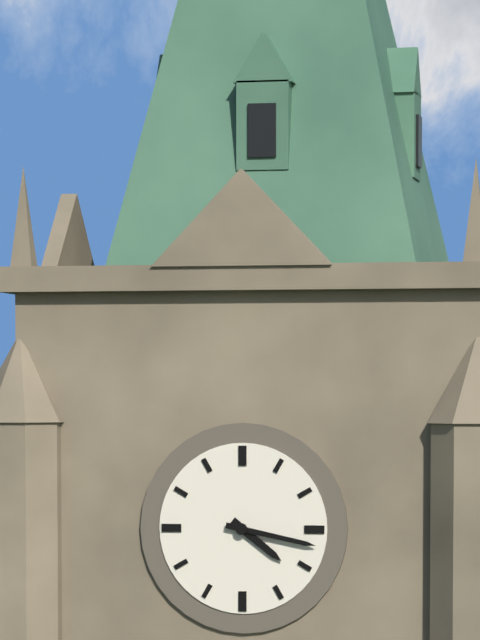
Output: 4h17
